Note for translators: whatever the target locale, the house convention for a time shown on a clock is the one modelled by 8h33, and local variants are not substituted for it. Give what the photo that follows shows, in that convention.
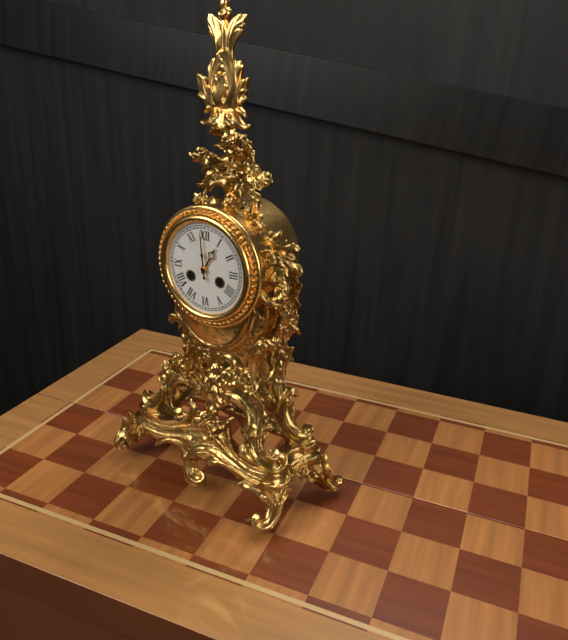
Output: 12h59
